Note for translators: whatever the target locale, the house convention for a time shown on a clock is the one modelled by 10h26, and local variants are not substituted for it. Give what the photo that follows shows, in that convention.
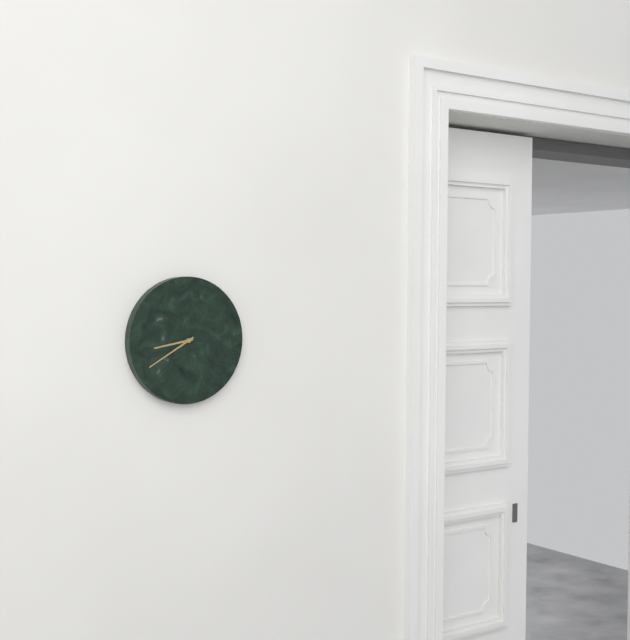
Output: 8h40
